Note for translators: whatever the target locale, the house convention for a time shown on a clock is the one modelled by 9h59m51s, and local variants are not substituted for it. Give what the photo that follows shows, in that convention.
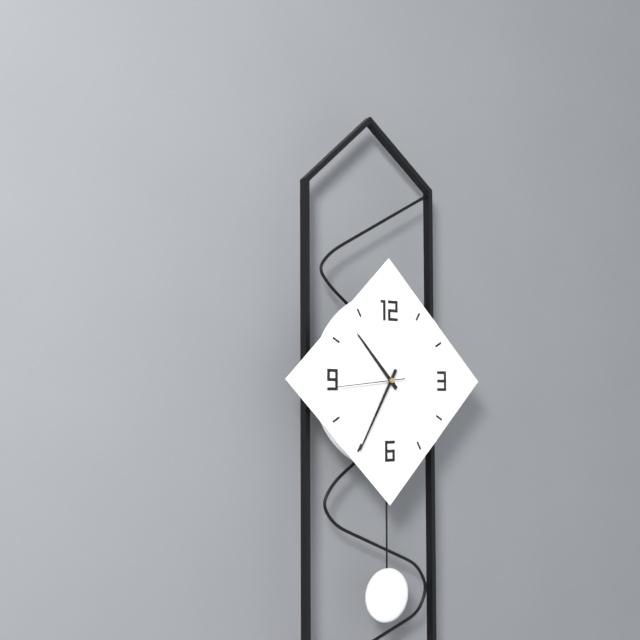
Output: 10h35m44s
